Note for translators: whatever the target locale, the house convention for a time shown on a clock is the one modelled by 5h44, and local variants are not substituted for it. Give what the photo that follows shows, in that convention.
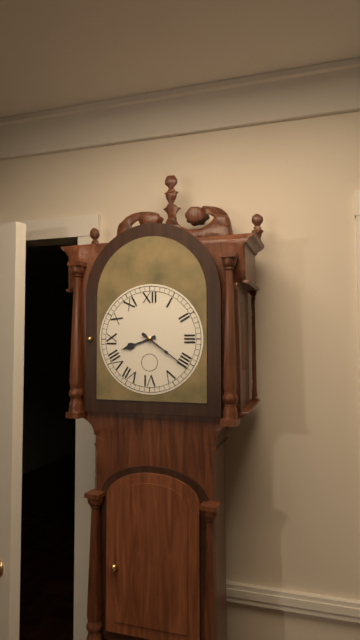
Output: 8h21
